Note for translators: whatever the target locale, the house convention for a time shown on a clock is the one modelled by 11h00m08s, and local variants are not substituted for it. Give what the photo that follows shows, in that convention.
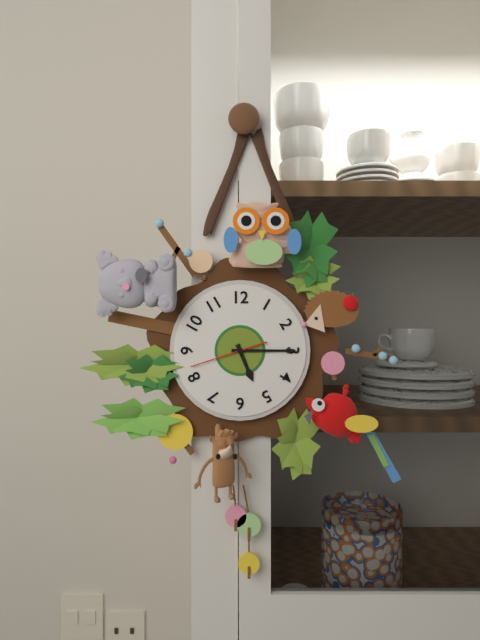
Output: 5h15m42s
